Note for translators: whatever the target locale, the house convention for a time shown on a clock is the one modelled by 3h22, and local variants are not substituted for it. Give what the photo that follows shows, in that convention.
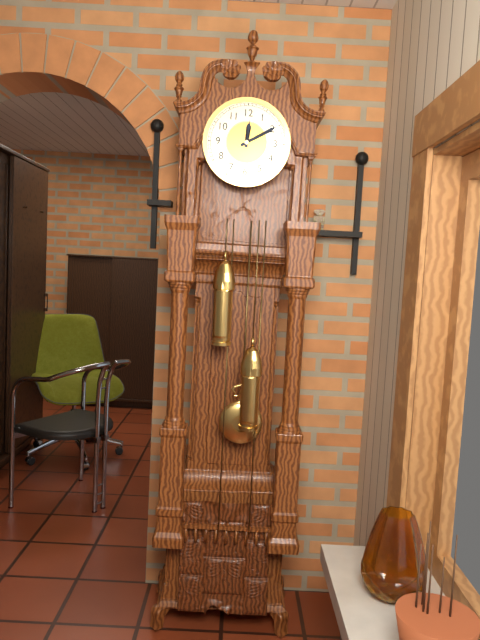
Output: 12h10
